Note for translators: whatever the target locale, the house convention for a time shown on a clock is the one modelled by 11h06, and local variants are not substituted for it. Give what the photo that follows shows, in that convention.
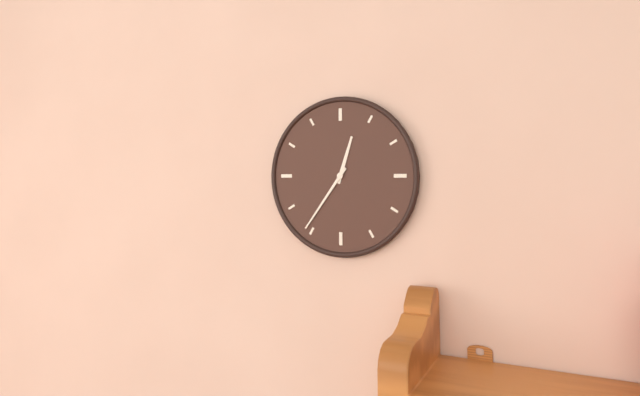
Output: 12h36
